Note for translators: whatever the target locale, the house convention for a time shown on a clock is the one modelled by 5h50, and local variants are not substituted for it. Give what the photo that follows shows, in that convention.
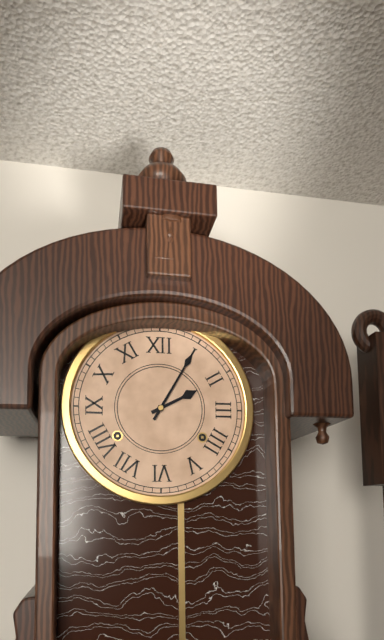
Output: 2h05
